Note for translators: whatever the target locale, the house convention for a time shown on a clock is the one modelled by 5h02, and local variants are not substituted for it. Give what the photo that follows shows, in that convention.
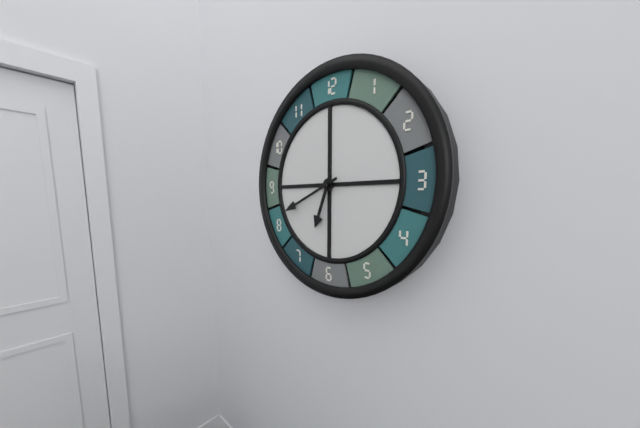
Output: 6h41
